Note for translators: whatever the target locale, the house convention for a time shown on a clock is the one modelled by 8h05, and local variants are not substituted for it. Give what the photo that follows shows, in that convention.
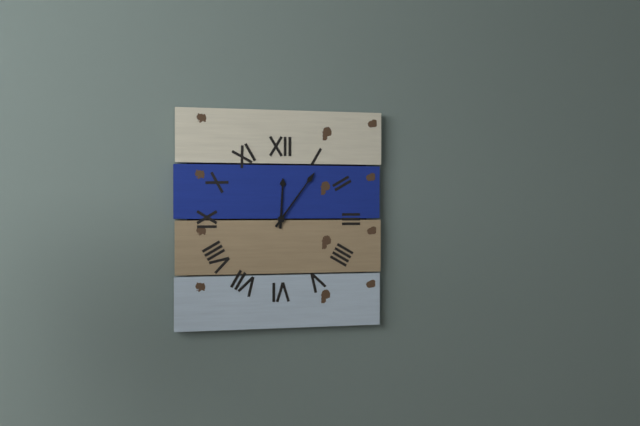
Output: 12h06
